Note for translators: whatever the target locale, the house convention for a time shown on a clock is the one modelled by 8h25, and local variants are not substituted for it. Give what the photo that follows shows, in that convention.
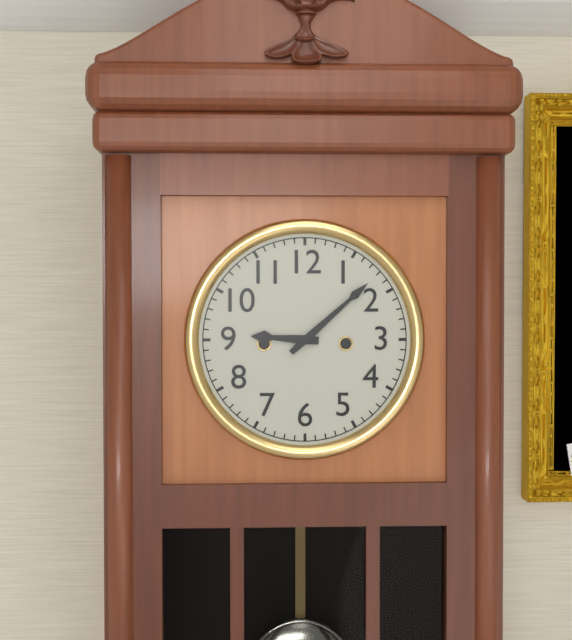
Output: 9h08
